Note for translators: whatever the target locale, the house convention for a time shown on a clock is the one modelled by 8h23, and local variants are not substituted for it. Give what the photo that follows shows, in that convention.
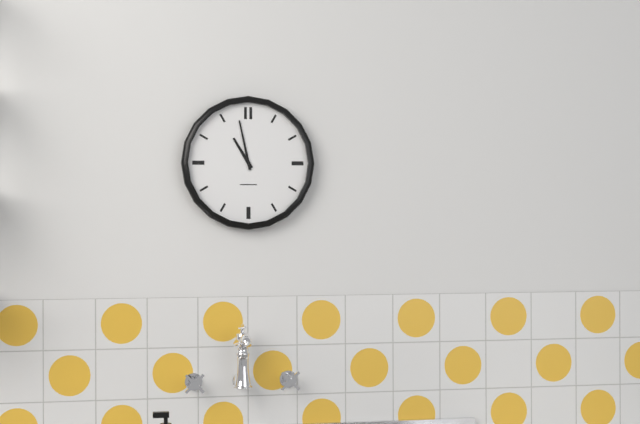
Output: 10h58
